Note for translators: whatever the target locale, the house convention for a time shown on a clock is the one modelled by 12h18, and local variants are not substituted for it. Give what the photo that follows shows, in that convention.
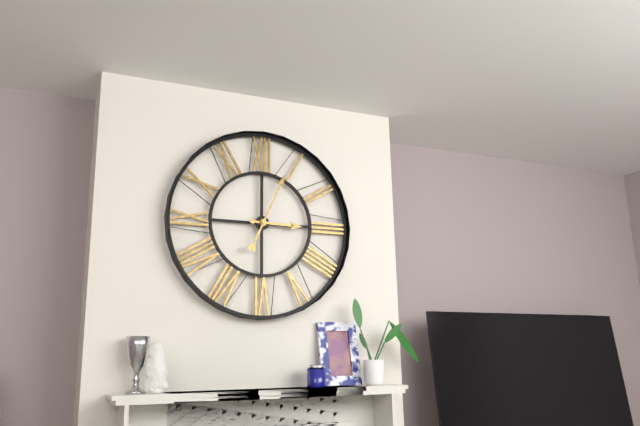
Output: 3h04
